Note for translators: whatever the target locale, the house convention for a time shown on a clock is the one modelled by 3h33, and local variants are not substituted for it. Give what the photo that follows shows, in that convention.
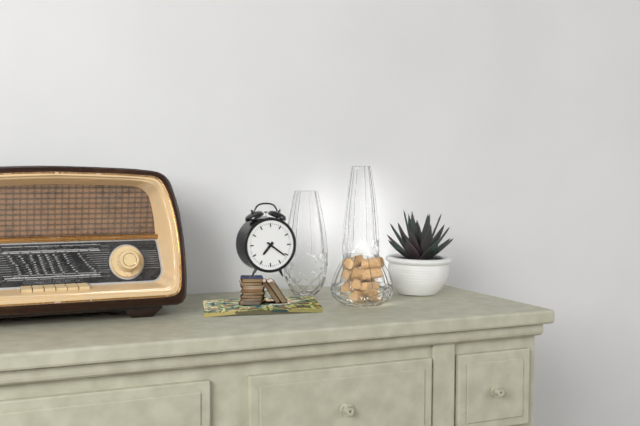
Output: 7h21
